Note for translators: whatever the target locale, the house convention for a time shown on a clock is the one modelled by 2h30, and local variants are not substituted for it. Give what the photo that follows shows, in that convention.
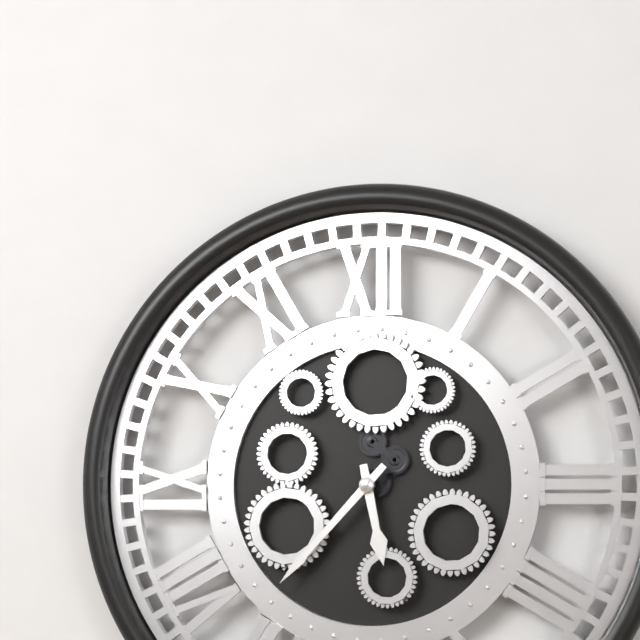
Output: 5h37
